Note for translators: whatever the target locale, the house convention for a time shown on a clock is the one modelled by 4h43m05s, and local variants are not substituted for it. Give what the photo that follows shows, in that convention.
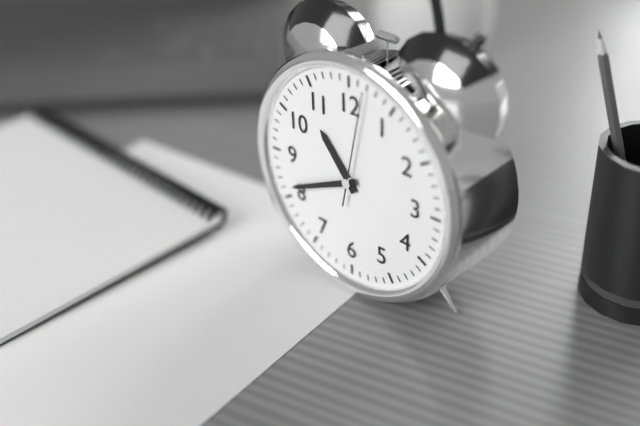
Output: 10h41m02s
